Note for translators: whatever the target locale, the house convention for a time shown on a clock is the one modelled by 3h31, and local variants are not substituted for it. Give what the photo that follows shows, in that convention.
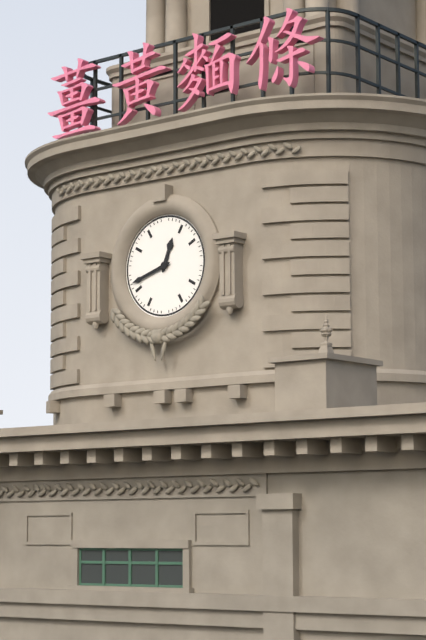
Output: 12h42
